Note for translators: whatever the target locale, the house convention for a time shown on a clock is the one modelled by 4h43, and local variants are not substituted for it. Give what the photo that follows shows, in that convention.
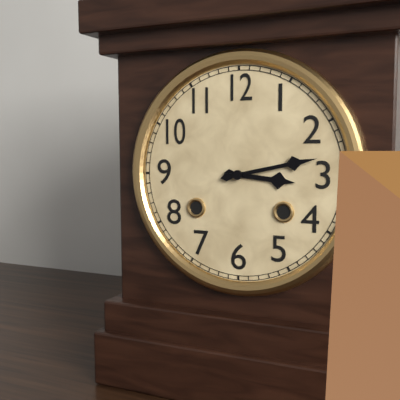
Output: 3h13
